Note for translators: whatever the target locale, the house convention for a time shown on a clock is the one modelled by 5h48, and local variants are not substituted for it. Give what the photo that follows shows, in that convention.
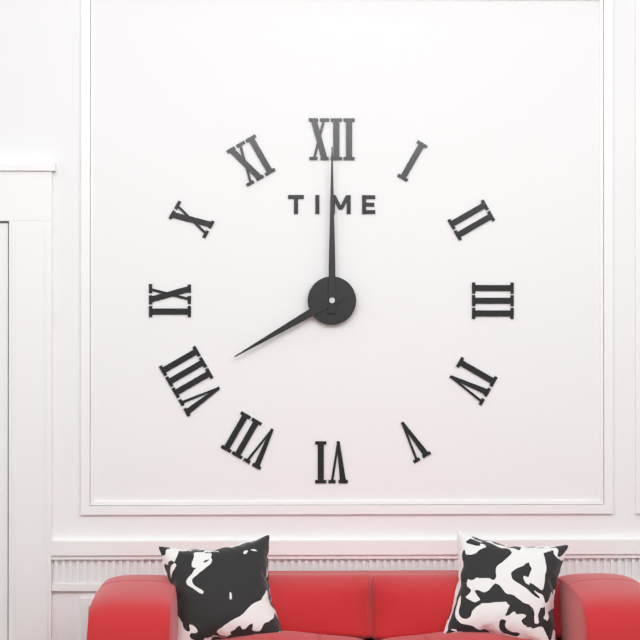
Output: 8h00
